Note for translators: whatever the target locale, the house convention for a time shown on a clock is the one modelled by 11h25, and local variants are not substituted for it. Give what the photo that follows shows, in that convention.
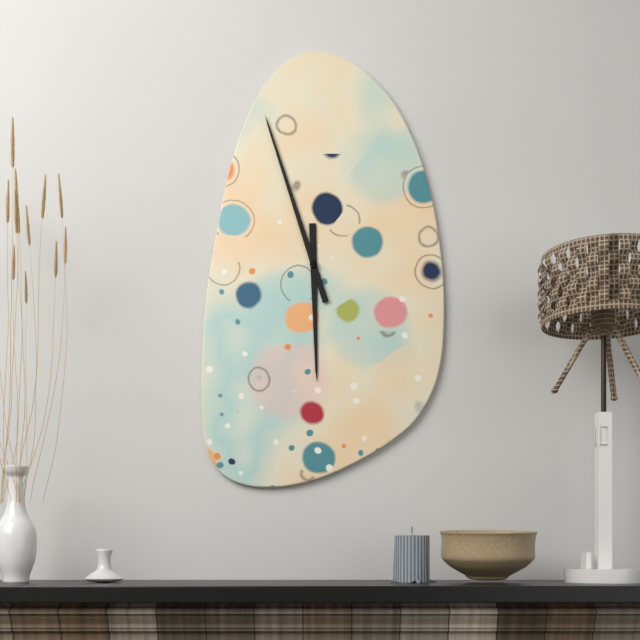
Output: 5h57
